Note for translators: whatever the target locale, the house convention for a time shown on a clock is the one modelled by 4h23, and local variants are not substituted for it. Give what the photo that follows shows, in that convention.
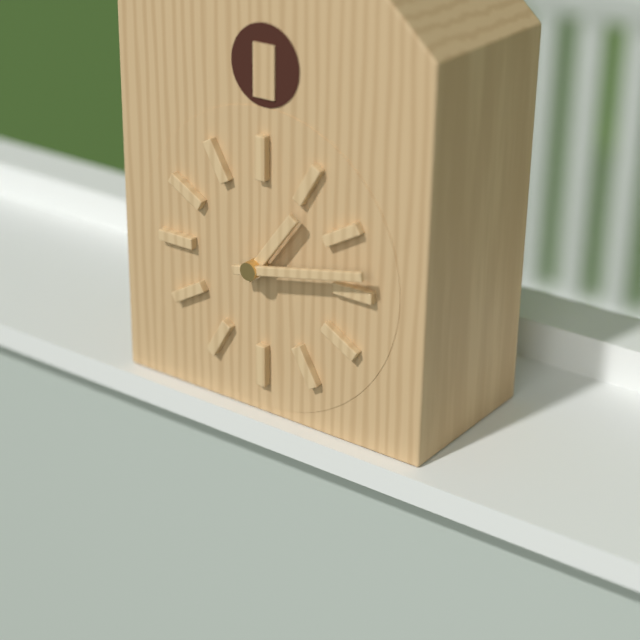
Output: 1h13
